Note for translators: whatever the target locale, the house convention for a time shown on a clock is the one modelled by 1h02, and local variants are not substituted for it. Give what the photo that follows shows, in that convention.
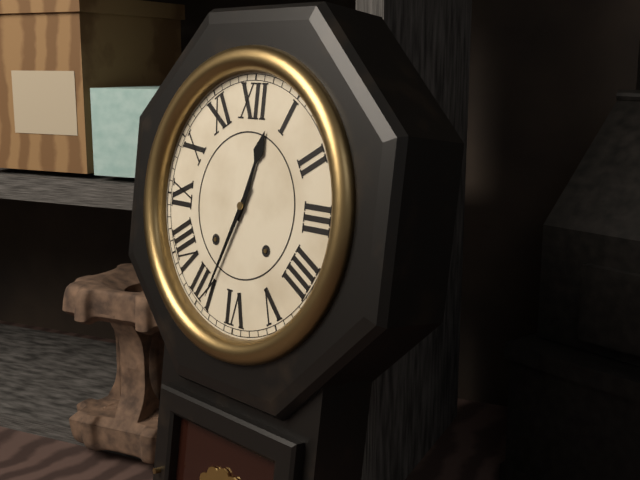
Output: 12h34
